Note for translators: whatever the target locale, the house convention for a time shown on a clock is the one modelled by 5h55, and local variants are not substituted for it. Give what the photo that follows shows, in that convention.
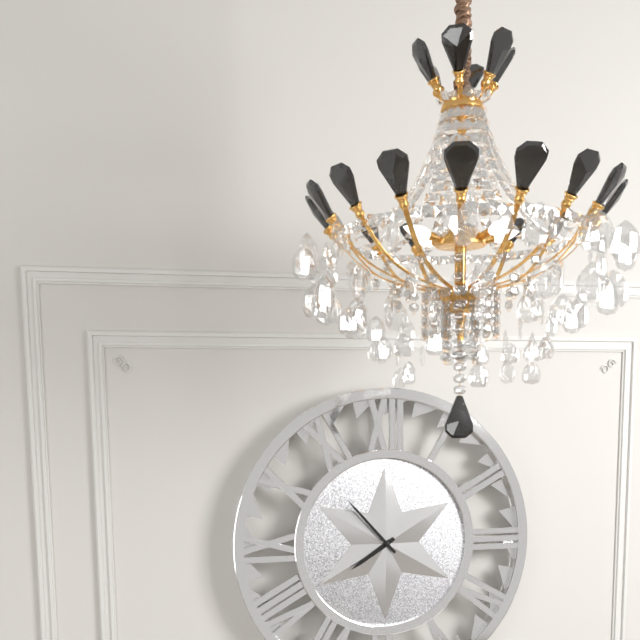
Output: 7h53
